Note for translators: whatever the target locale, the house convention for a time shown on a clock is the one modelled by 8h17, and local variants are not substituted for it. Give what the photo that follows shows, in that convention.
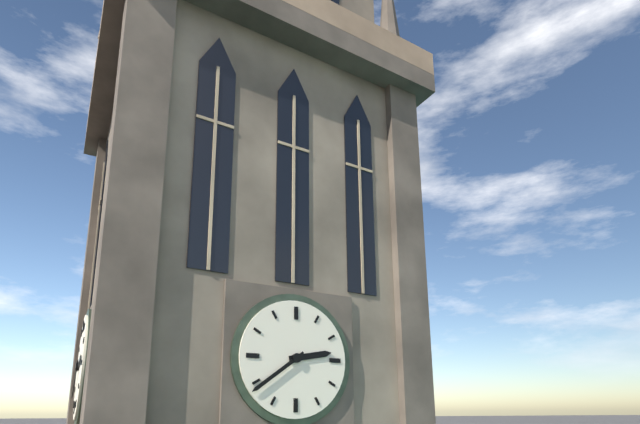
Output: 2h39
